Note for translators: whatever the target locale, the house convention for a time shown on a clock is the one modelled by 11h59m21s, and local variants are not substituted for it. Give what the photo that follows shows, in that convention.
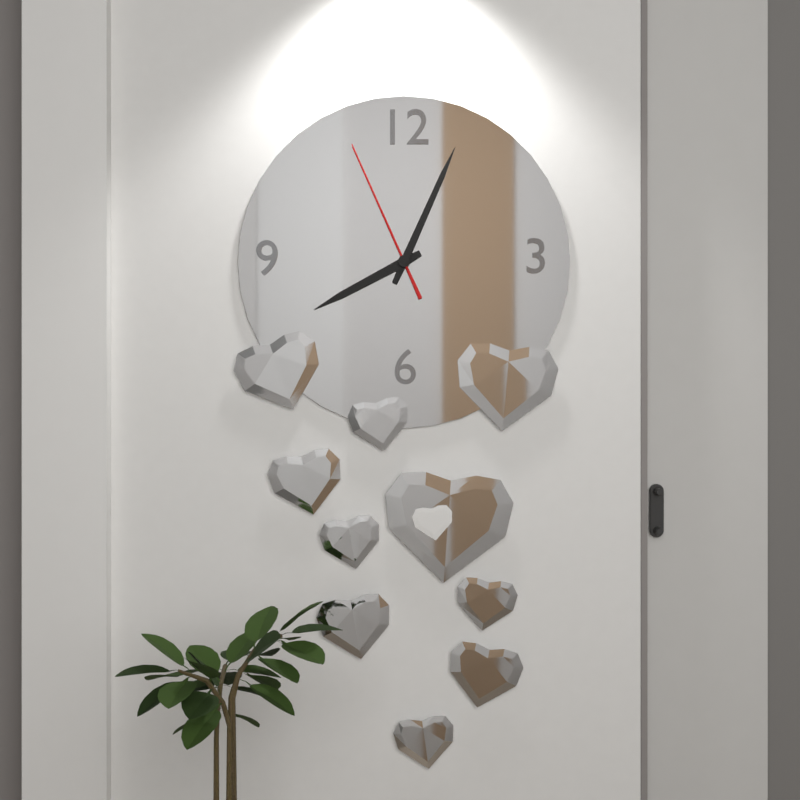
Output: 8h04m56s
